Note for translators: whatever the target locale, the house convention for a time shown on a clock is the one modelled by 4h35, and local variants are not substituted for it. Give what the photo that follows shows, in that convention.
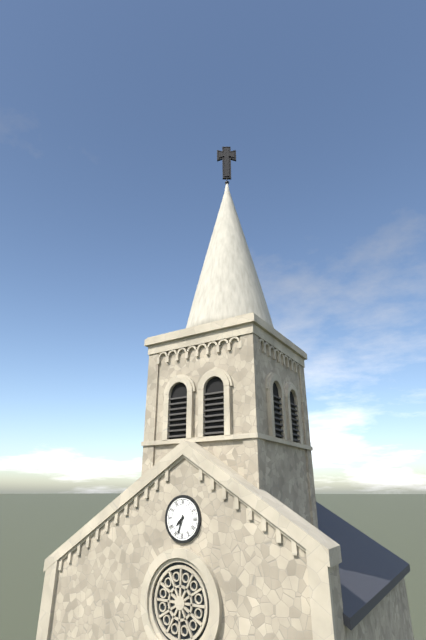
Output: 7h33
